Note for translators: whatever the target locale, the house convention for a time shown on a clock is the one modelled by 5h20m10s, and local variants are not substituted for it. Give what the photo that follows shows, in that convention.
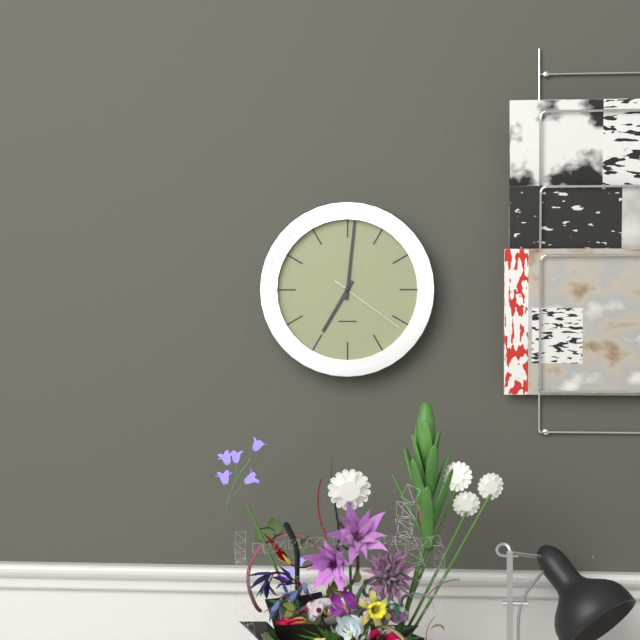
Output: 7h01m21s
